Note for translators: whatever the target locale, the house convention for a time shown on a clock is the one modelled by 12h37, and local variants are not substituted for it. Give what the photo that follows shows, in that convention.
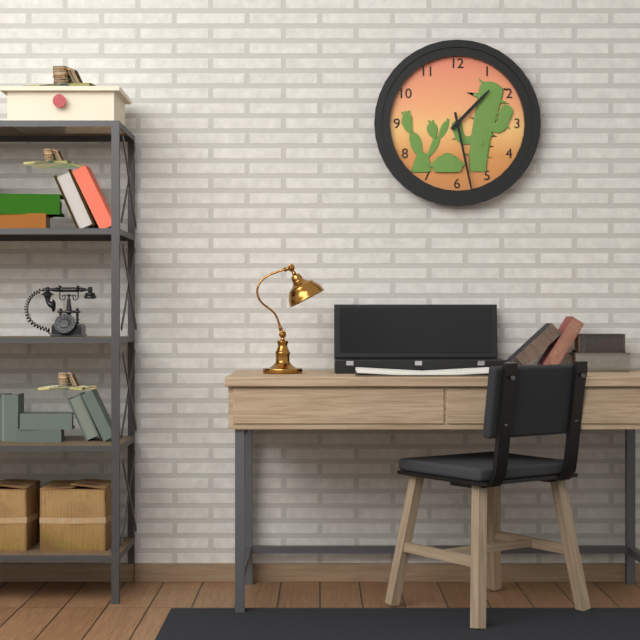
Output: 1h28
